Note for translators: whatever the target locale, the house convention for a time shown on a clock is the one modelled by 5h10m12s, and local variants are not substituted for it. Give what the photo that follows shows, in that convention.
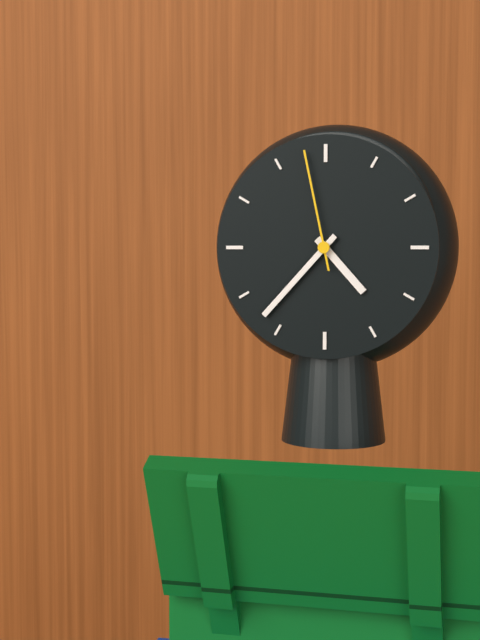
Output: 4h37m58s
